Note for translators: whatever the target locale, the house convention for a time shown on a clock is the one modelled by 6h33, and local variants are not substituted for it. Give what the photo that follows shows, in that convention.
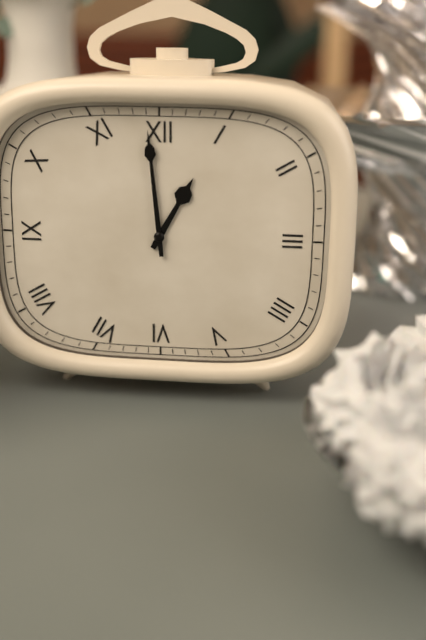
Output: 12h59
